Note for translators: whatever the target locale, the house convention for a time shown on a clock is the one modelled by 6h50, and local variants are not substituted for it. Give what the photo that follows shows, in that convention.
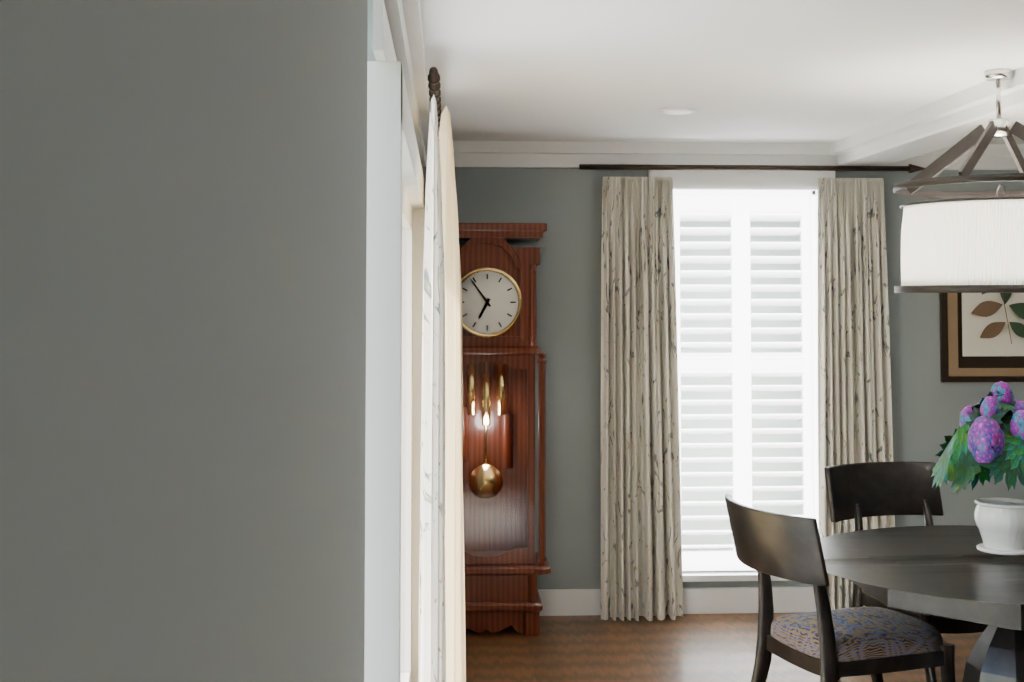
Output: 6h54
